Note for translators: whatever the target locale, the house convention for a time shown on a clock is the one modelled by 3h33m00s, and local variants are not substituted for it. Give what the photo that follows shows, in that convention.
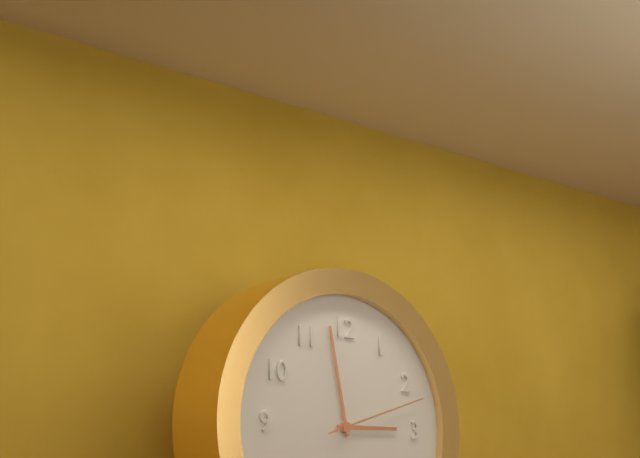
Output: 2h58m12s
